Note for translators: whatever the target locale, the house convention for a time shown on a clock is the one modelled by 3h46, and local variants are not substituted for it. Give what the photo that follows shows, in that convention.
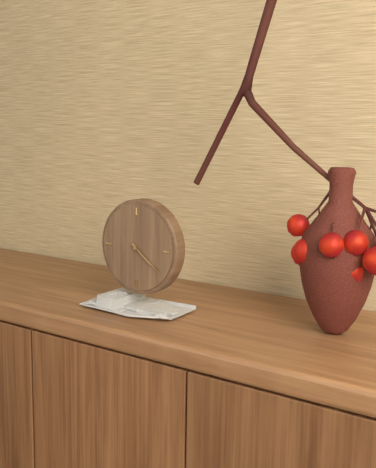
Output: 4h21
